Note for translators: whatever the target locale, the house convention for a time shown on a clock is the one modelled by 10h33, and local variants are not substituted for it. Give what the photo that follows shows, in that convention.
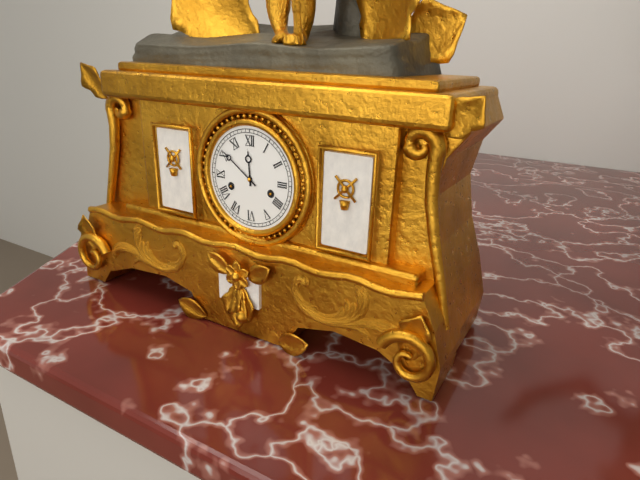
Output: 11h51
